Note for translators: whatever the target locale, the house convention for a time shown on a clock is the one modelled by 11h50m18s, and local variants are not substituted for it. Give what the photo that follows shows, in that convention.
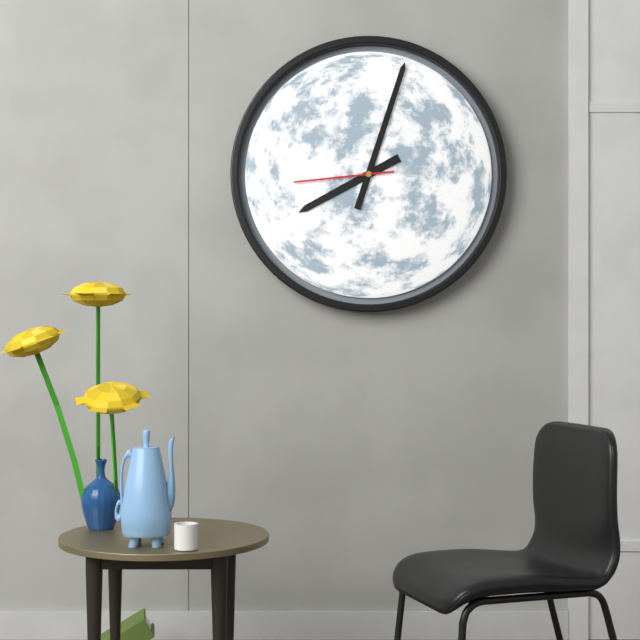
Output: 8h03m44s
